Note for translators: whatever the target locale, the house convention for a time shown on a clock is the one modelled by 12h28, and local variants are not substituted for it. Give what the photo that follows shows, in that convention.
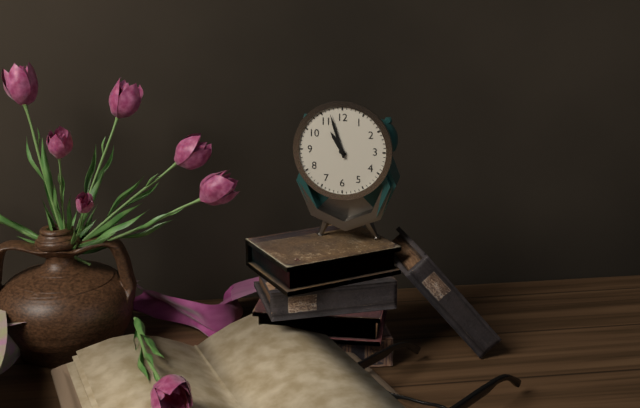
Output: 10h57
